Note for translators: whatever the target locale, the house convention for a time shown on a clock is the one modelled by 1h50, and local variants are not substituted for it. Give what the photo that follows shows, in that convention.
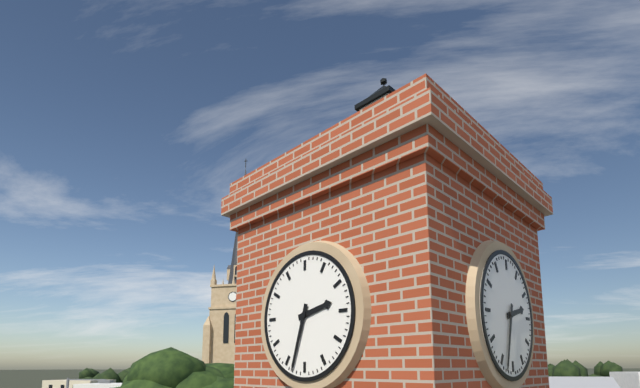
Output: 2h33
